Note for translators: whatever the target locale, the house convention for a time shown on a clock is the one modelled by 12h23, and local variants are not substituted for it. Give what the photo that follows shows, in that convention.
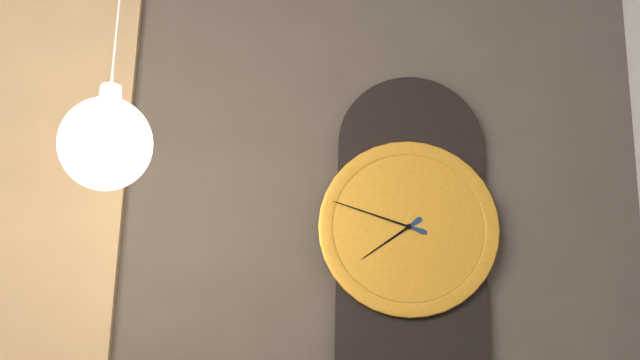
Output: 7h48
